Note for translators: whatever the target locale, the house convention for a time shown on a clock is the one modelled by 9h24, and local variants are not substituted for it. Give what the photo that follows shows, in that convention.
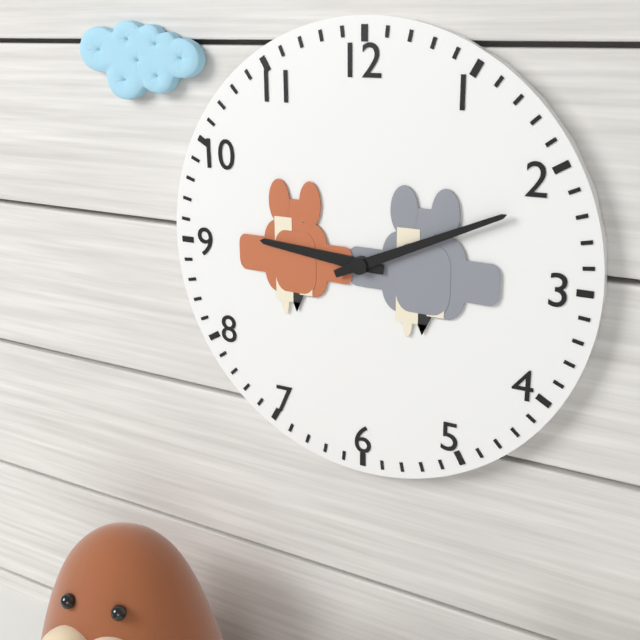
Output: 9h11
